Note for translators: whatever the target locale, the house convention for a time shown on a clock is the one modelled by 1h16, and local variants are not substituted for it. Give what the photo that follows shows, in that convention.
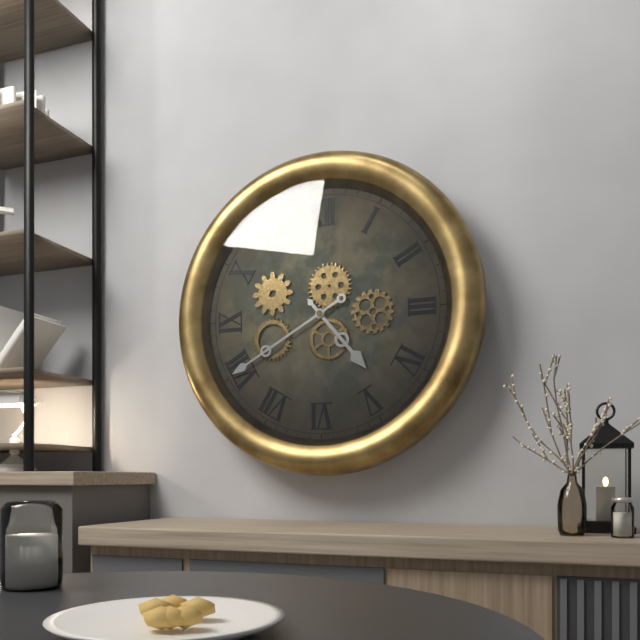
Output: 4h40
